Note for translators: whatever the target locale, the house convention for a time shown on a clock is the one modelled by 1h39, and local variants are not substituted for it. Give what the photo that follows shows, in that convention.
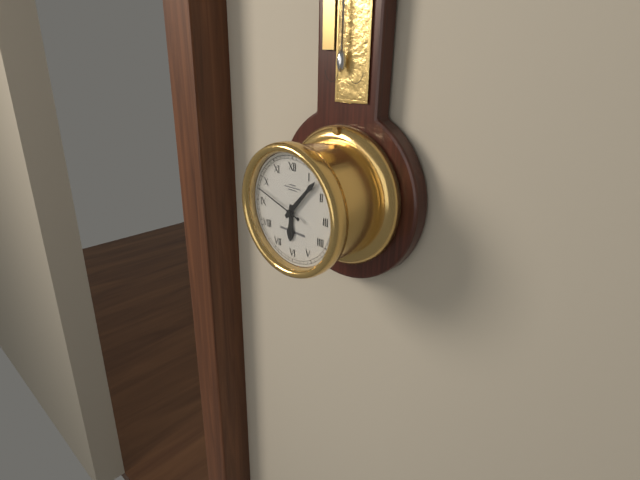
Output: 6h07
